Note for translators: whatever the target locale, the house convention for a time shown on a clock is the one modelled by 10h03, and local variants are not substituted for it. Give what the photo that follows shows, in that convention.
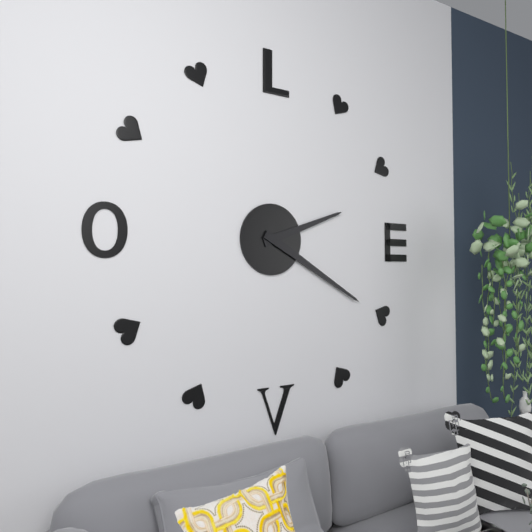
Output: 2h20
